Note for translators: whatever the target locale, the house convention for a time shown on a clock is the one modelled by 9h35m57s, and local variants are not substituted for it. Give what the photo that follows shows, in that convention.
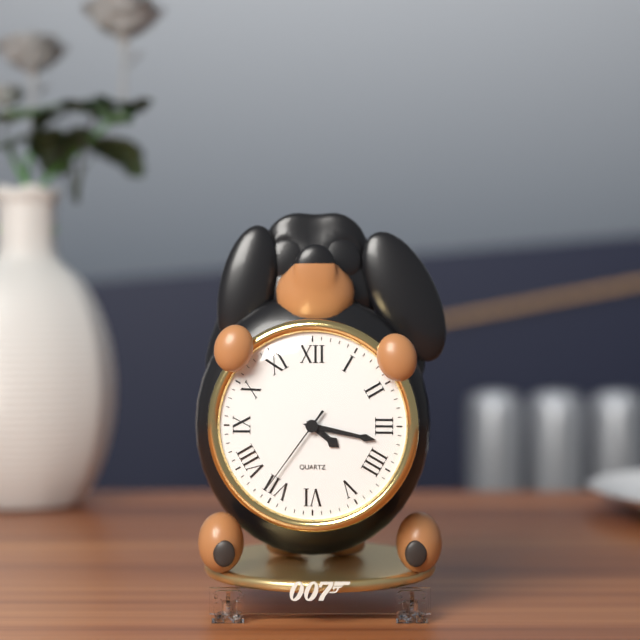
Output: 4h17m36s
